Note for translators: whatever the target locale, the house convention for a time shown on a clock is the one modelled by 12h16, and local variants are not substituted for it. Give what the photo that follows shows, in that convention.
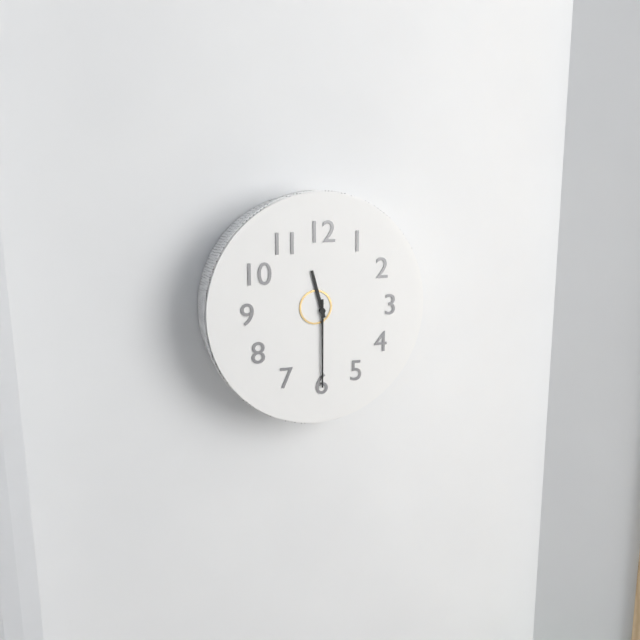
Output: 11h30
